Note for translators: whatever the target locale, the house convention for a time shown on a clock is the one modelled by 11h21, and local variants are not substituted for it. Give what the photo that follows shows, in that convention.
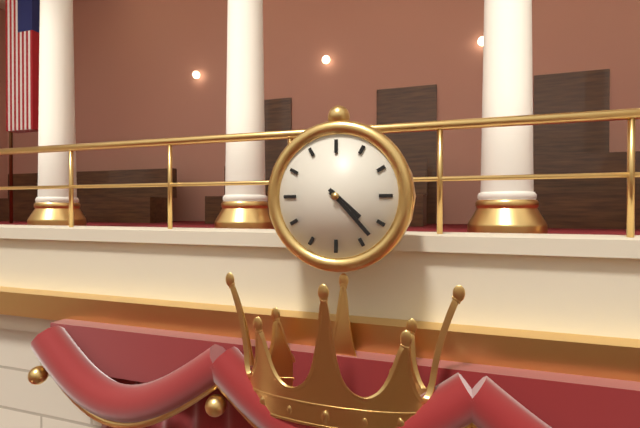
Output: 4h23
